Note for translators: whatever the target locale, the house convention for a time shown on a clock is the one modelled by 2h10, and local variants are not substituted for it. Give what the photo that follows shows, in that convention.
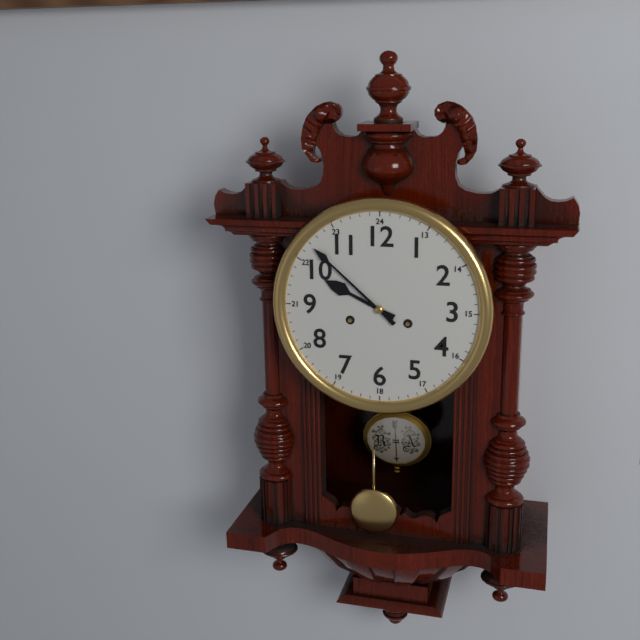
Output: 9h52
